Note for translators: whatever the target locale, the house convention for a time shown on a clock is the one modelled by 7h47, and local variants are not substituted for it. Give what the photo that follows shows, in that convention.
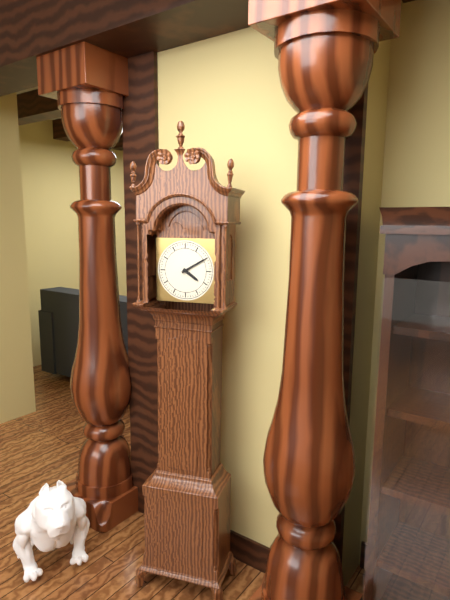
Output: 4h10
